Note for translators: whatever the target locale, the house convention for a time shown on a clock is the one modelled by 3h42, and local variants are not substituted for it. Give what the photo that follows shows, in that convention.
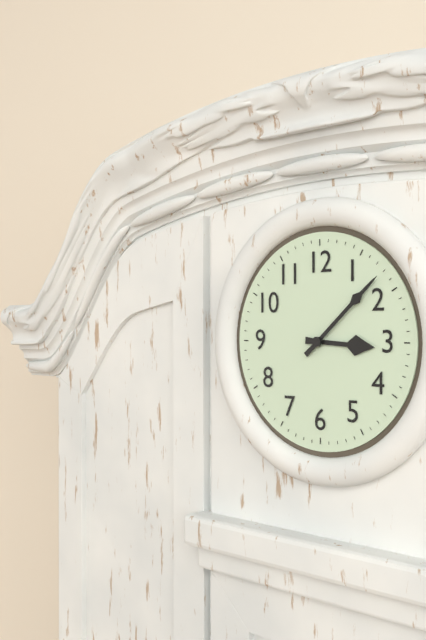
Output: 3h08
